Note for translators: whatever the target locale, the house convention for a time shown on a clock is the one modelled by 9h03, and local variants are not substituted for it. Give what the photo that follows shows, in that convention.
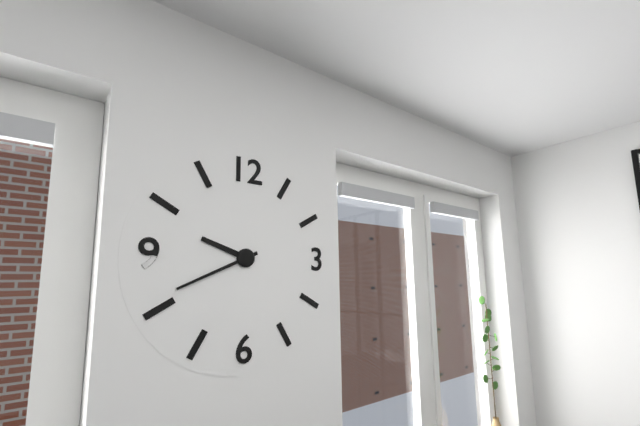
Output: 9h41
